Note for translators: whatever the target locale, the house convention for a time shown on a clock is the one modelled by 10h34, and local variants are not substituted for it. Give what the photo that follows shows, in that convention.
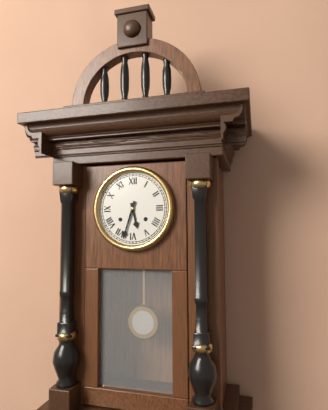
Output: 5h33
